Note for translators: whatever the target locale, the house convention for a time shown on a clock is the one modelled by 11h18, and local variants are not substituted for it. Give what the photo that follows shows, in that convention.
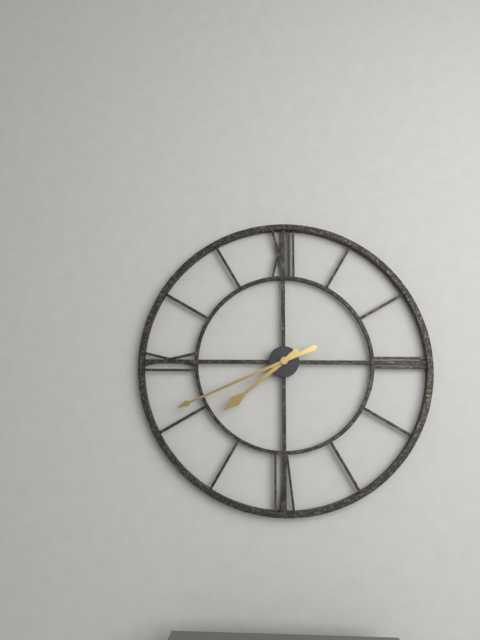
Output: 7h41
